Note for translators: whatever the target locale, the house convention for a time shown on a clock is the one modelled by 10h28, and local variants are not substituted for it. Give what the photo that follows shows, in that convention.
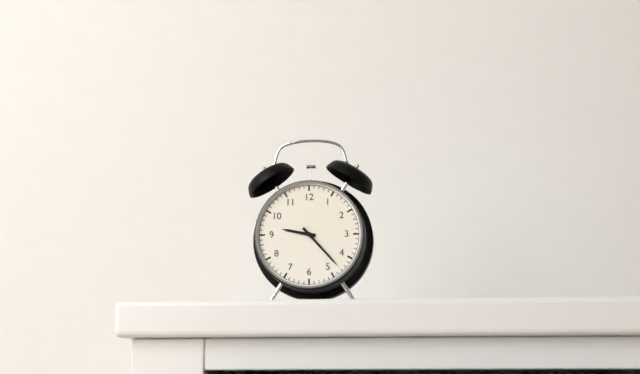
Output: 9h23
